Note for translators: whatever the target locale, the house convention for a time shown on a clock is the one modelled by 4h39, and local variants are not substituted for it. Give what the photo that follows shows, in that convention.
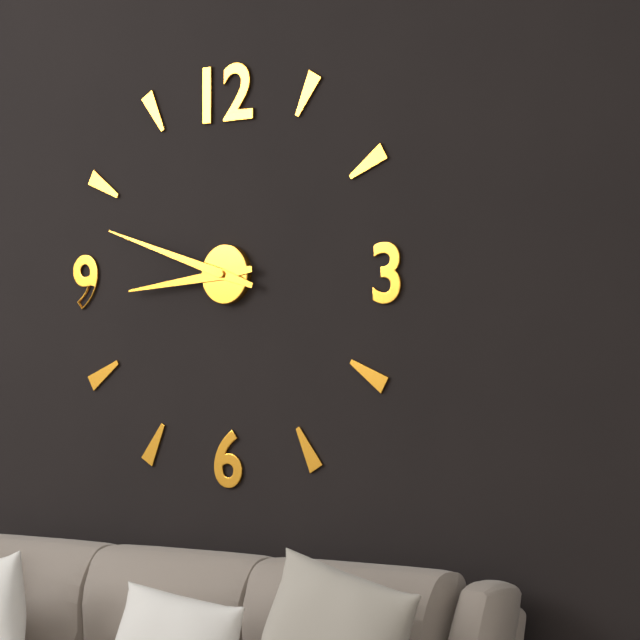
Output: 8h48
